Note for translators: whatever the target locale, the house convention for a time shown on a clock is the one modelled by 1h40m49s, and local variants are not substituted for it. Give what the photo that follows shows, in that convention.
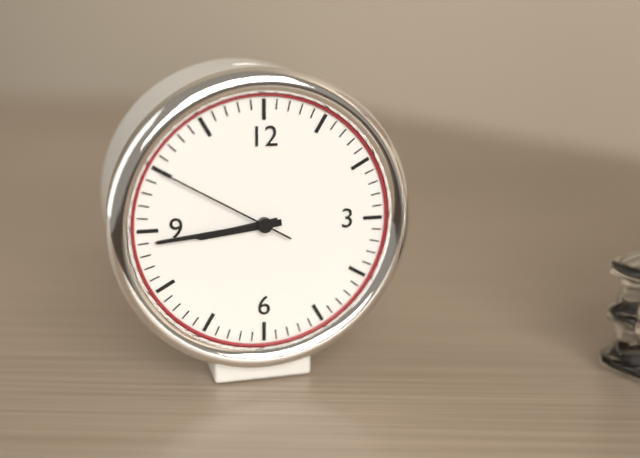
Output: 8h44m50s
